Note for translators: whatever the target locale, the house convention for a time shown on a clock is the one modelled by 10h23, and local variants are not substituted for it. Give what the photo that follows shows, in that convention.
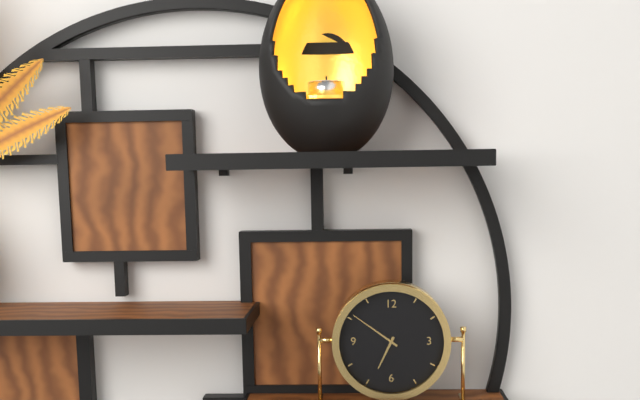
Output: 6h51
